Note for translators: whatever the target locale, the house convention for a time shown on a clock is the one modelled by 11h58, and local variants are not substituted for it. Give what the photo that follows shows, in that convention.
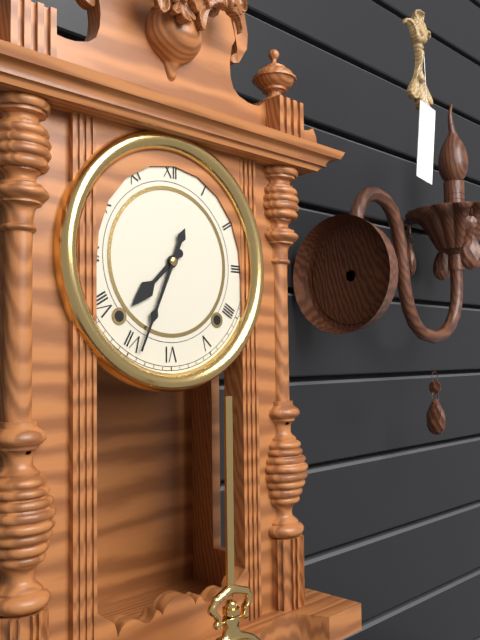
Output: 7h34
